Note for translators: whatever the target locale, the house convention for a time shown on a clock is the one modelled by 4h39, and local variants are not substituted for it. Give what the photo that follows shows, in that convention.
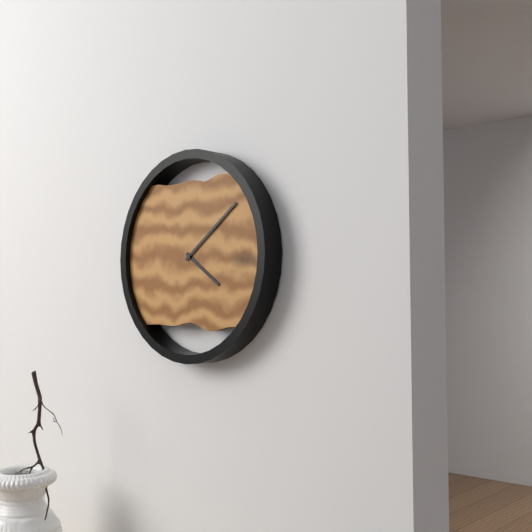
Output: 4h09
